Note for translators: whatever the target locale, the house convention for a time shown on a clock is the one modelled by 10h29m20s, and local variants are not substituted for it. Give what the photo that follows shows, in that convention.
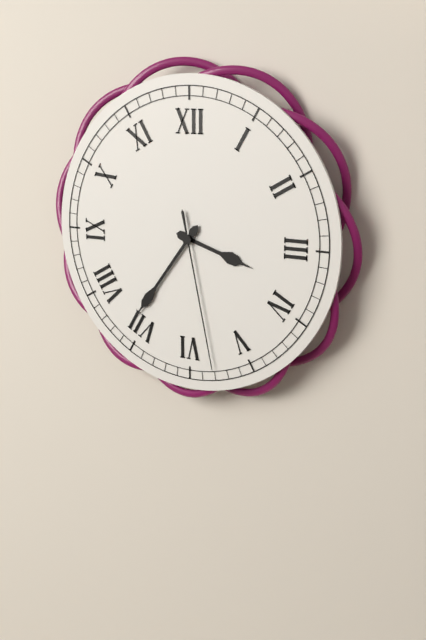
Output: 3h36m28s
